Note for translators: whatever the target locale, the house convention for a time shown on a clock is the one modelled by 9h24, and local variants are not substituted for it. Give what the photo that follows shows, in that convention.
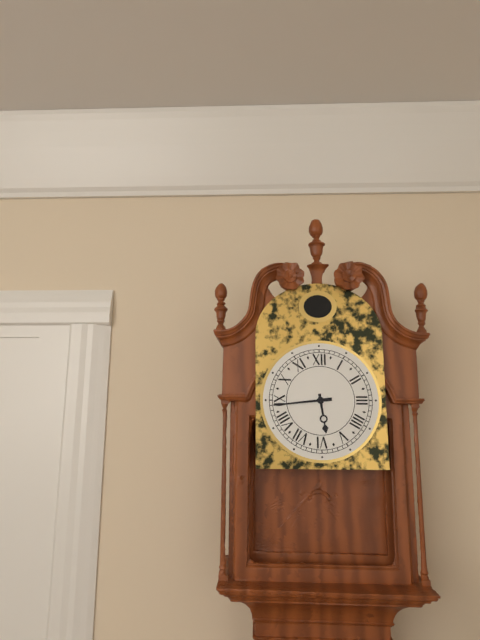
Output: 5h44
